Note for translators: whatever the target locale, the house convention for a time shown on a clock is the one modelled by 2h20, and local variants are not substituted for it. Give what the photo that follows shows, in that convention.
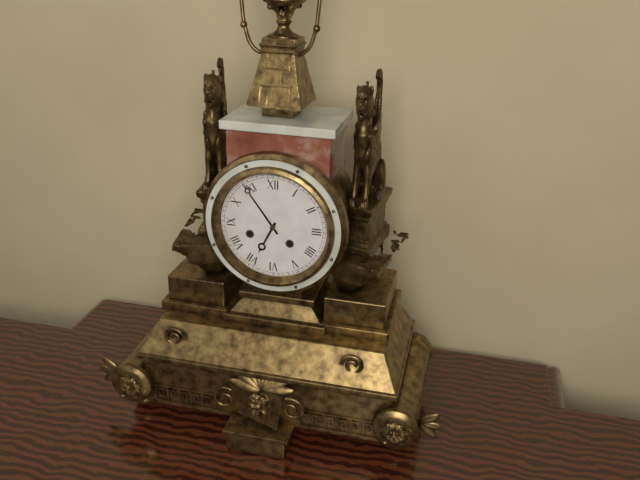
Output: 6h54
